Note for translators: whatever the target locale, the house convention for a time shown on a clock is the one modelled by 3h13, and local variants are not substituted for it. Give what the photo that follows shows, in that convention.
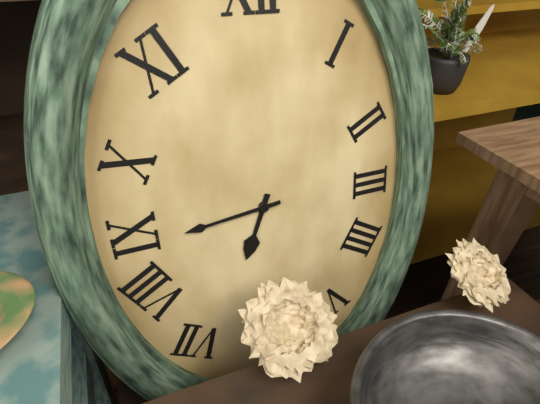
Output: 6h44
